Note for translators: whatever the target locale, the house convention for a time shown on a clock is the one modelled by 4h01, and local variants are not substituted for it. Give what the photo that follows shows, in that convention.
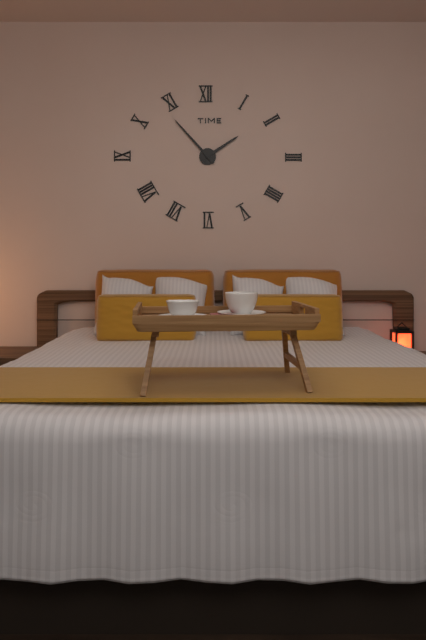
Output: 1h53
